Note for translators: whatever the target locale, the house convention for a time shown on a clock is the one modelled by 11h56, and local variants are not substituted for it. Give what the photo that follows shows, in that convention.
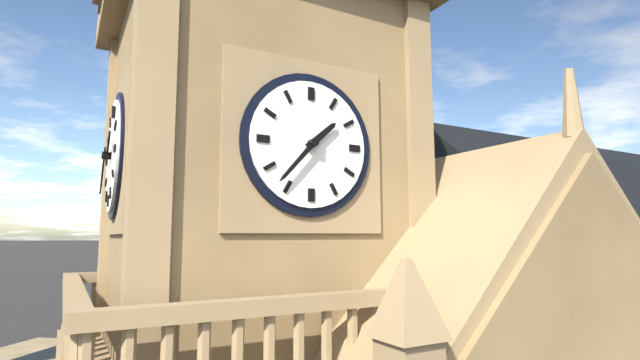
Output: 1h37
